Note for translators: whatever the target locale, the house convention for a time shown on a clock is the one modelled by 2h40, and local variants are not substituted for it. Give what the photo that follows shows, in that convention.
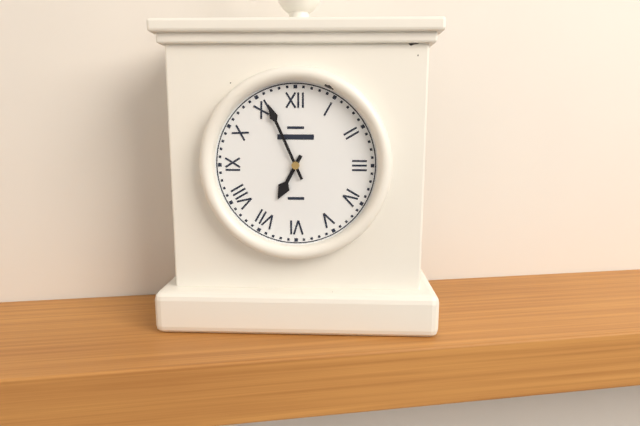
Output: 6h56
